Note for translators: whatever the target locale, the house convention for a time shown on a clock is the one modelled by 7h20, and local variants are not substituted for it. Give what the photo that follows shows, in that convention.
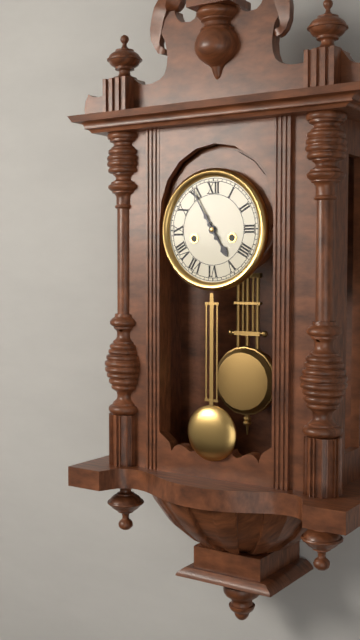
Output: 4h55
